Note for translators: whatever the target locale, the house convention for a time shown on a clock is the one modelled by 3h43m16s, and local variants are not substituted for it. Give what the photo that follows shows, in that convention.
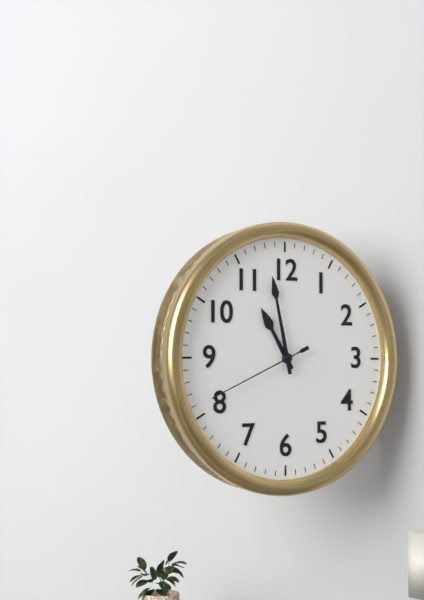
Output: 10h58m41s
